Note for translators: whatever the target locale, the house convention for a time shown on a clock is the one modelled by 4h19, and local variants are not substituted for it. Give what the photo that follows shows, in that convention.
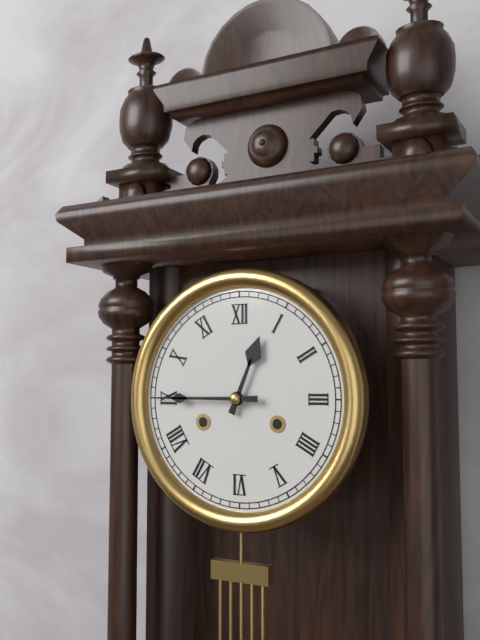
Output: 12h45
